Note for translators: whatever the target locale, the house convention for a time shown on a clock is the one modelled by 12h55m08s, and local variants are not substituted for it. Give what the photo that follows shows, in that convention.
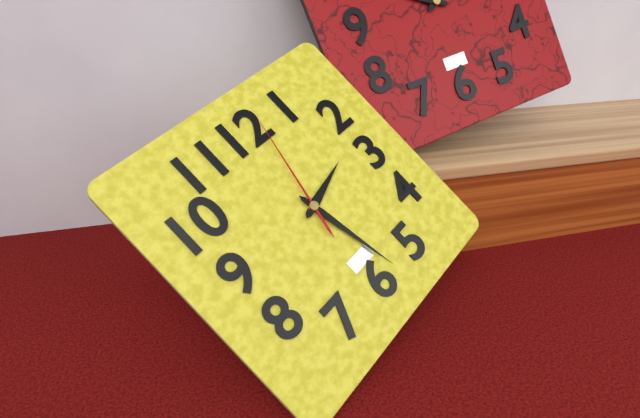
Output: 2h28m02s
